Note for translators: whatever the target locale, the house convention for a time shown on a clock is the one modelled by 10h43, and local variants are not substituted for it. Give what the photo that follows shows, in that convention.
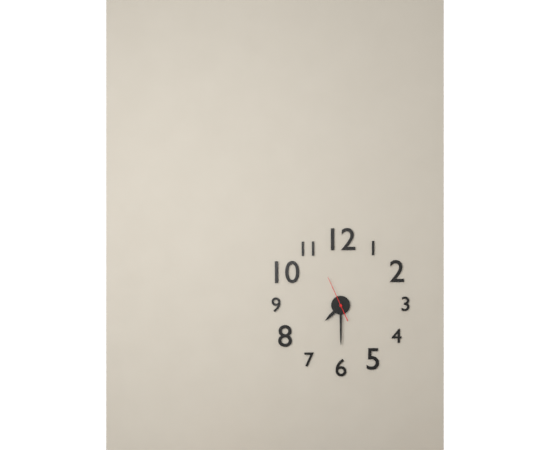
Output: 7h30
